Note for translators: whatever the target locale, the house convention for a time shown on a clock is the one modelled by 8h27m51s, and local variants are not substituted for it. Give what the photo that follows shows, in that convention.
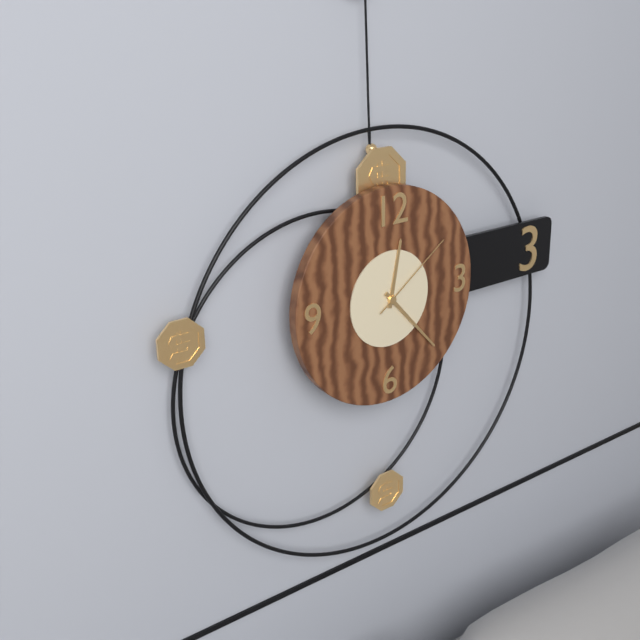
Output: 12h23m09s
